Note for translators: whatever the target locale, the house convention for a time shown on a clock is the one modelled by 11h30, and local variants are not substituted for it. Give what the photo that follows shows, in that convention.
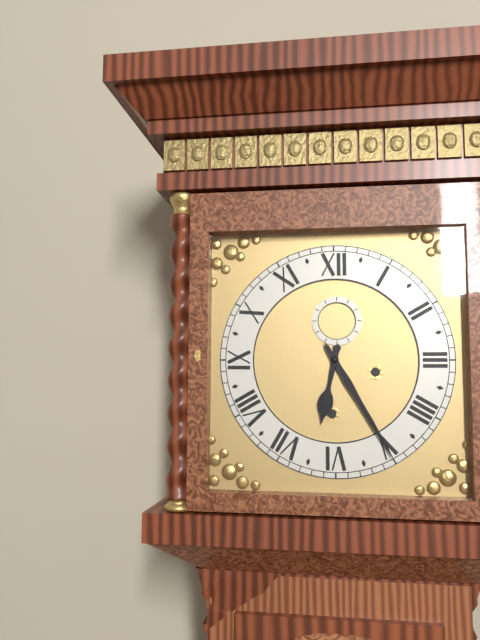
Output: 6h25
